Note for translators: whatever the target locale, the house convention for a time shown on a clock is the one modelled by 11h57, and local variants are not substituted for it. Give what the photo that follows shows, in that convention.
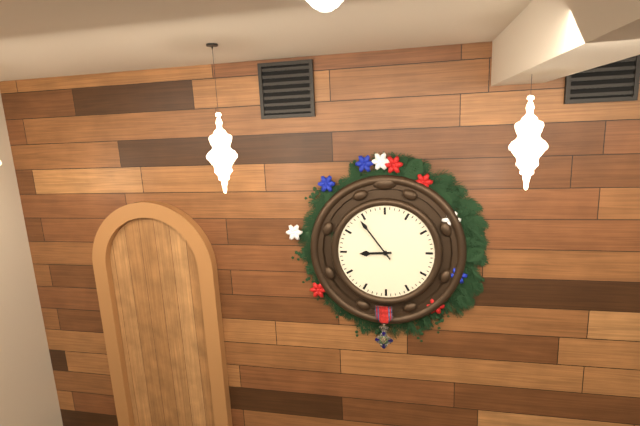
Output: 8h54
